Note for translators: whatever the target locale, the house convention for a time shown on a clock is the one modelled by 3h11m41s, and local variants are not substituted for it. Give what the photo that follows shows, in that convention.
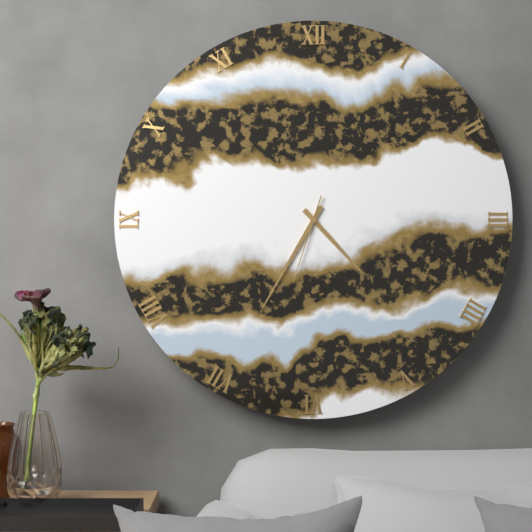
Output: 4h35m33s
